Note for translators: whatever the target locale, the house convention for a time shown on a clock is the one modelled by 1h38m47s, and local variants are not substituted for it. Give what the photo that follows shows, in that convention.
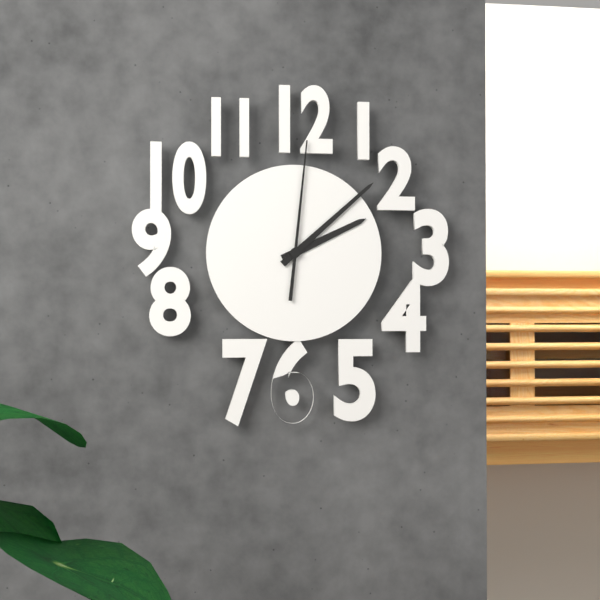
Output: 2h08m01s
